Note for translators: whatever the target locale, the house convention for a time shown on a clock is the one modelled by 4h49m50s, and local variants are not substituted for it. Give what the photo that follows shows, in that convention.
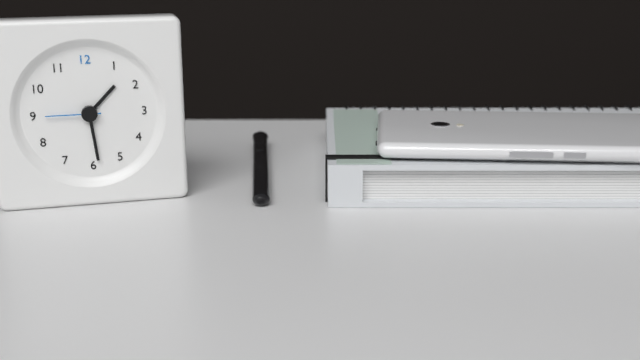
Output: 1h29m45s
